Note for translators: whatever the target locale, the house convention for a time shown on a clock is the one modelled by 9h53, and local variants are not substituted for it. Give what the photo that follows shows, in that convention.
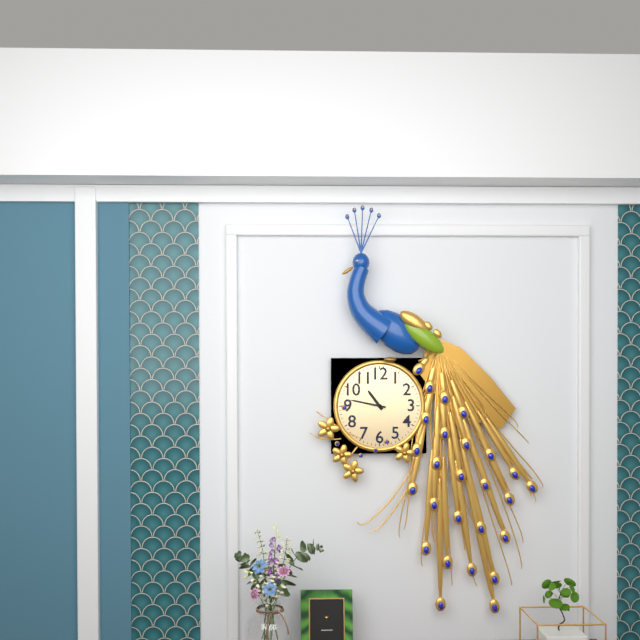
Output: 10h47
